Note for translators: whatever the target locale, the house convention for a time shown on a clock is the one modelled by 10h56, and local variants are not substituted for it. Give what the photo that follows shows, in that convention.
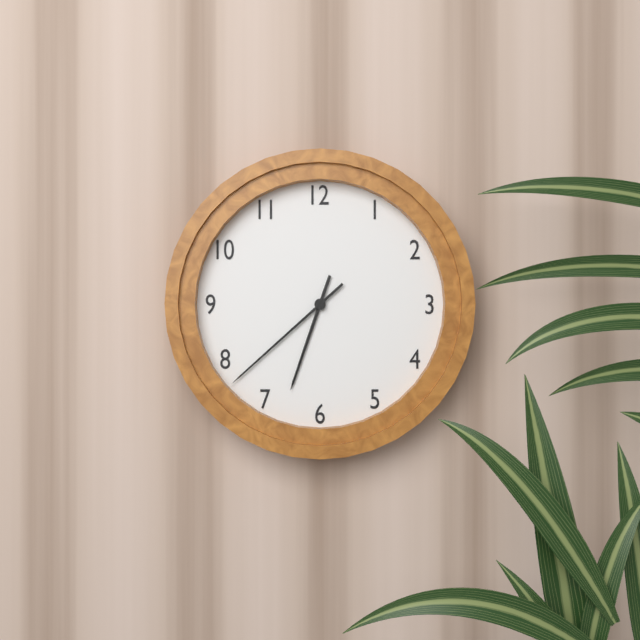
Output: 6h38
